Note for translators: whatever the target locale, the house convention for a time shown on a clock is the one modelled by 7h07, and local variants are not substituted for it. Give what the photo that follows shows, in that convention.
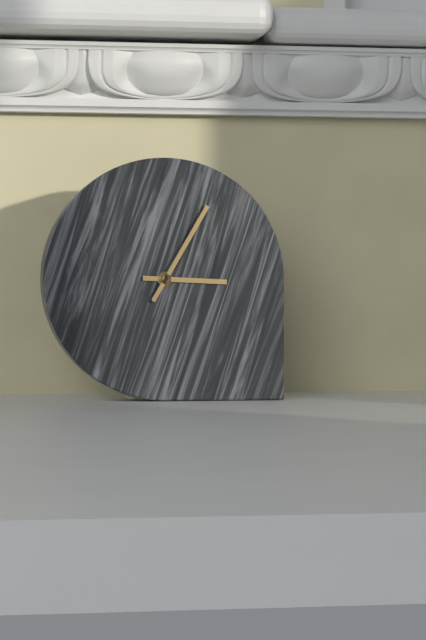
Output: 3h05
